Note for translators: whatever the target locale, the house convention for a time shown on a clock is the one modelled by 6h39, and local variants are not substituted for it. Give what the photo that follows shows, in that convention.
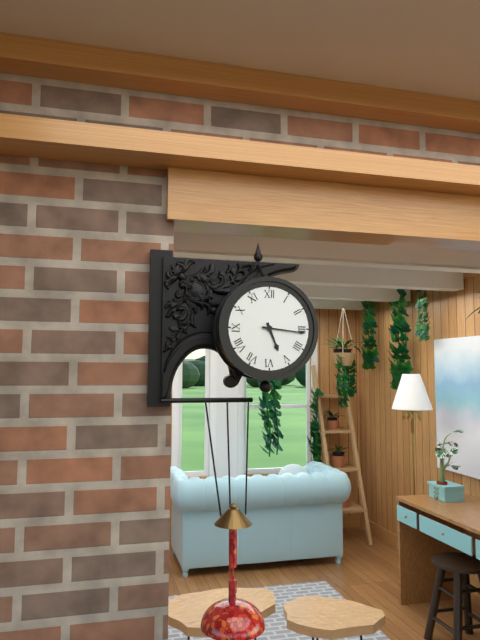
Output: 5h16
